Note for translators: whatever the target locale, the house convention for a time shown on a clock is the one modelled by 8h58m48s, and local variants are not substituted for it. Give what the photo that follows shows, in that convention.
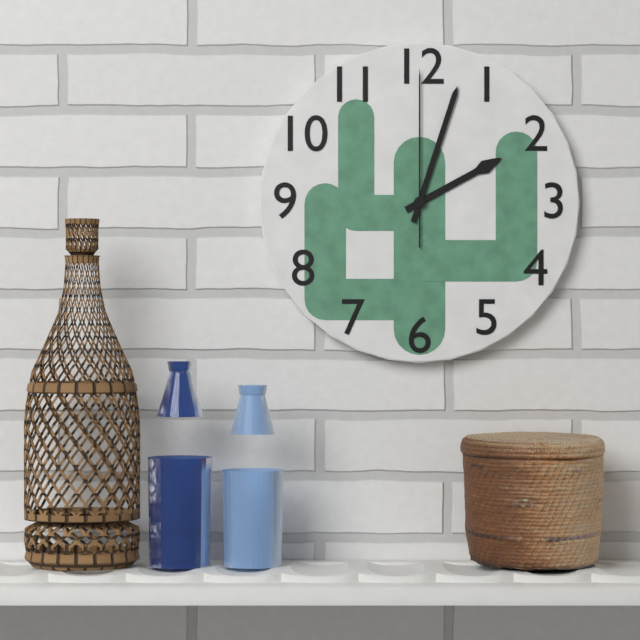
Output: 2h03m00s
